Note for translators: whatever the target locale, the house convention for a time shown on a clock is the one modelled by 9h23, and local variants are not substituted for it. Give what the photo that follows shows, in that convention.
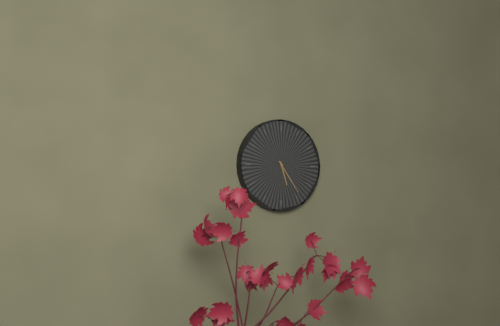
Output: 5h24
